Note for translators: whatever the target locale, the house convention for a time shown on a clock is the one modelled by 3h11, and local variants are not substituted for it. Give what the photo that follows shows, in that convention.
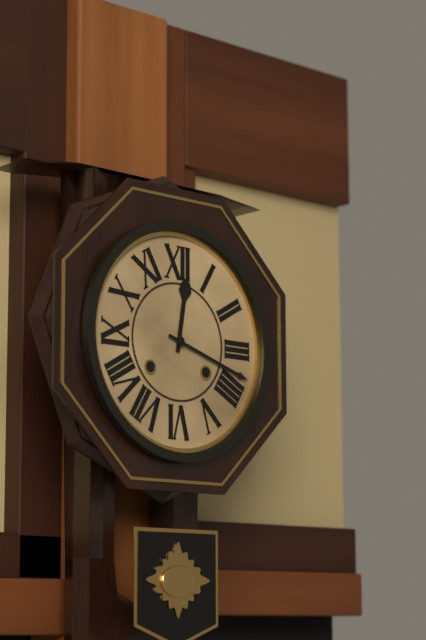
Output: 12h18
